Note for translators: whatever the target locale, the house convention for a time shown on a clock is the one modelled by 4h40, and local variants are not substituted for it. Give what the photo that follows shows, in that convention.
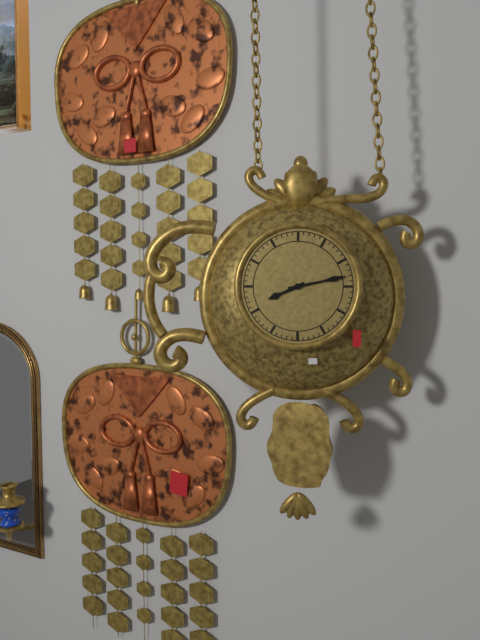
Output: 8h13
